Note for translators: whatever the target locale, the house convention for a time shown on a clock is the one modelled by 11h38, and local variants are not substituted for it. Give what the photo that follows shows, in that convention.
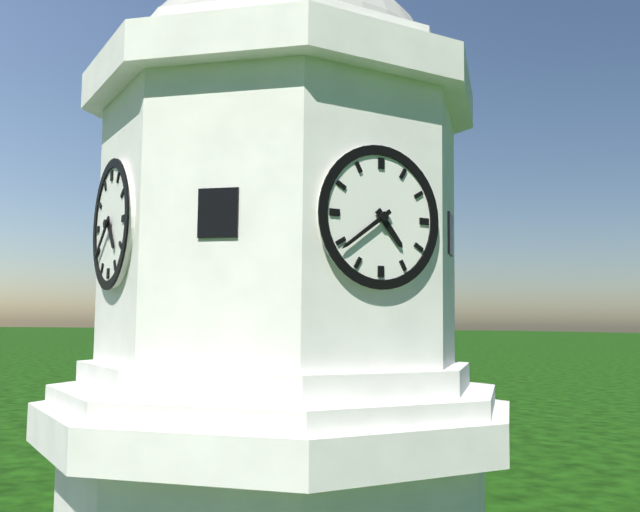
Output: 4h39
